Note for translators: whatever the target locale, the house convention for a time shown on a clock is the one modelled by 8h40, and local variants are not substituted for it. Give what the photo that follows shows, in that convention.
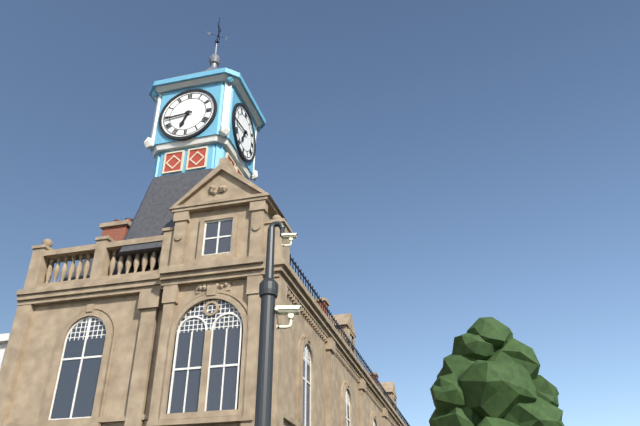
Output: 6h44
